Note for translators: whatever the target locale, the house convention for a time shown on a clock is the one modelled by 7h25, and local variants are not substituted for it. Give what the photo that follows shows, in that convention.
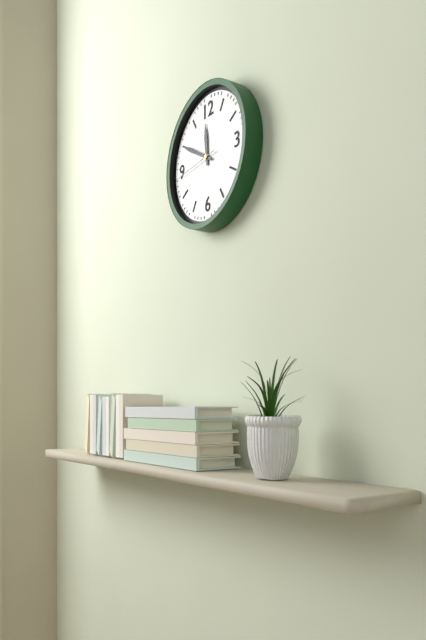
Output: 11h50
